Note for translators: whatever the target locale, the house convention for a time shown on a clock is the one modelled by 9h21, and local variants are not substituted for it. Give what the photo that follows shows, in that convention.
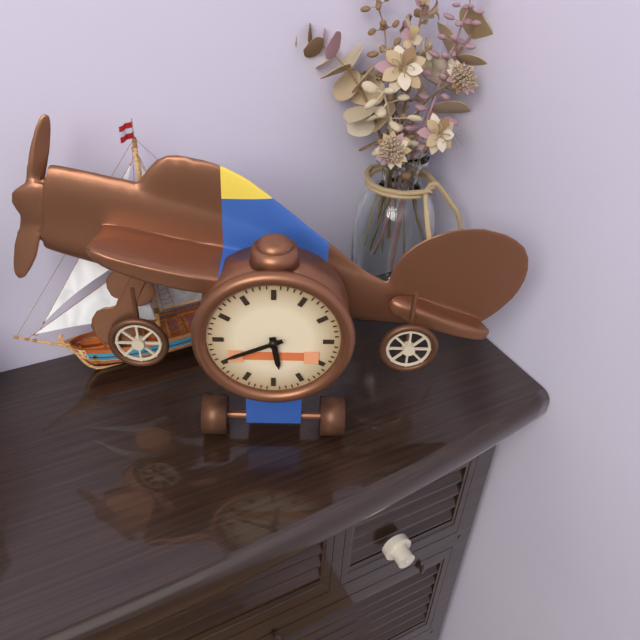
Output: 5h41
